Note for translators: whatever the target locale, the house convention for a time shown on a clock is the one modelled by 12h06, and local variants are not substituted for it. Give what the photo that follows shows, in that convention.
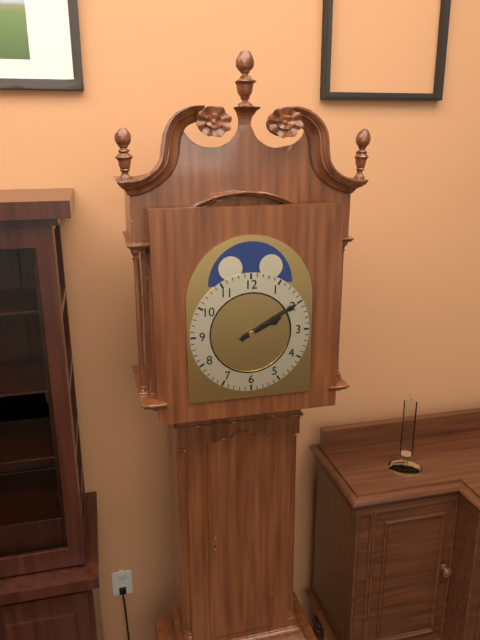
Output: 2h10
